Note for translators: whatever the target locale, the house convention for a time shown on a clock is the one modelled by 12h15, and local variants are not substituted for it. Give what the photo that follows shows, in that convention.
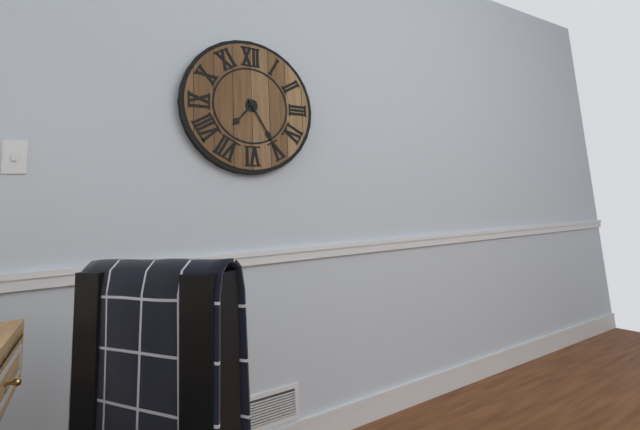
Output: 7h25
